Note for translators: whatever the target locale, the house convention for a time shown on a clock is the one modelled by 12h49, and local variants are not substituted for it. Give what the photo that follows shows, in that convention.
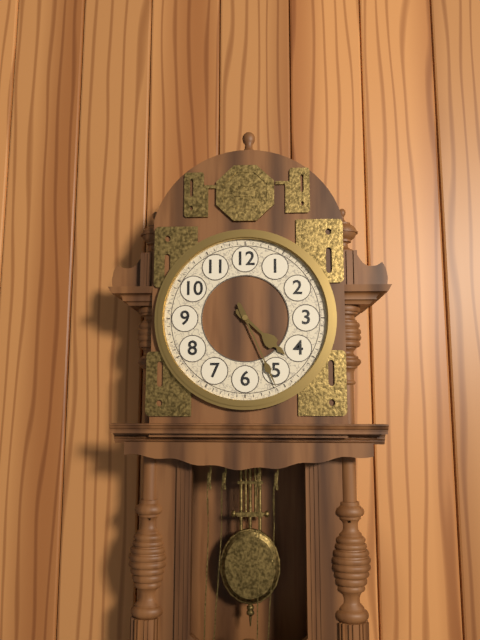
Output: 4h26
